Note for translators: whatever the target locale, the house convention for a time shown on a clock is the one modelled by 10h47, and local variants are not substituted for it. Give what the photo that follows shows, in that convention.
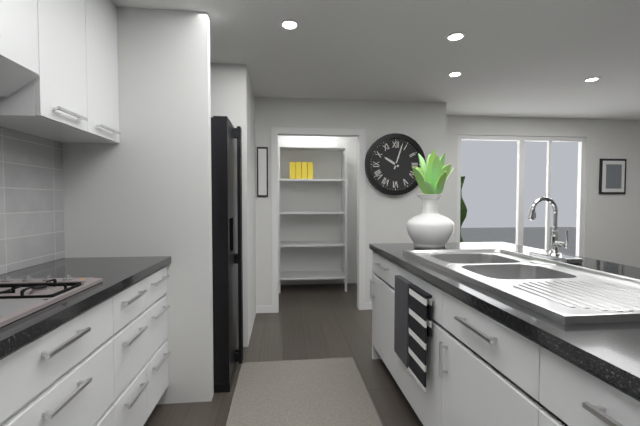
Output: 10h03
